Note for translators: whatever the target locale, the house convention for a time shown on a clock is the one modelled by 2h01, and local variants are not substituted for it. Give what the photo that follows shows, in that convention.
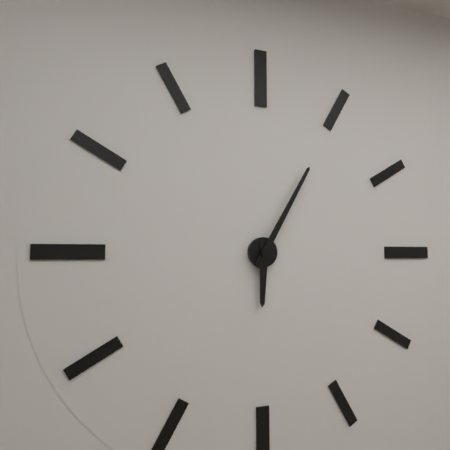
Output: 6h05
